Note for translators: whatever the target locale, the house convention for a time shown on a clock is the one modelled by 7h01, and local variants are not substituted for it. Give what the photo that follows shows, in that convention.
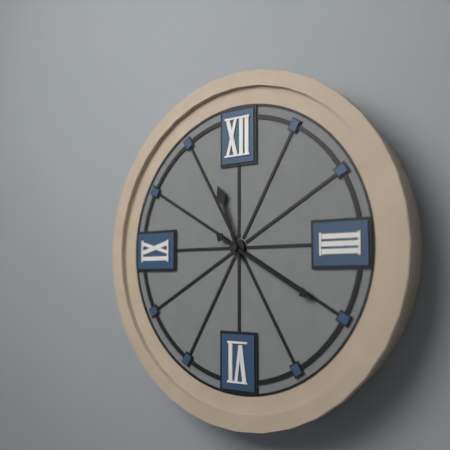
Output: 11h20
